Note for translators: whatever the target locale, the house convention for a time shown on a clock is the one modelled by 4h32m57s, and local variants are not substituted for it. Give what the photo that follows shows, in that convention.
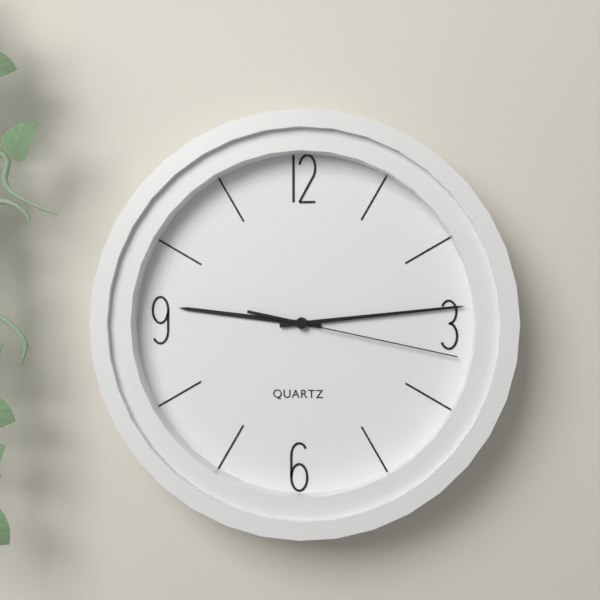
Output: 9h14m17s
